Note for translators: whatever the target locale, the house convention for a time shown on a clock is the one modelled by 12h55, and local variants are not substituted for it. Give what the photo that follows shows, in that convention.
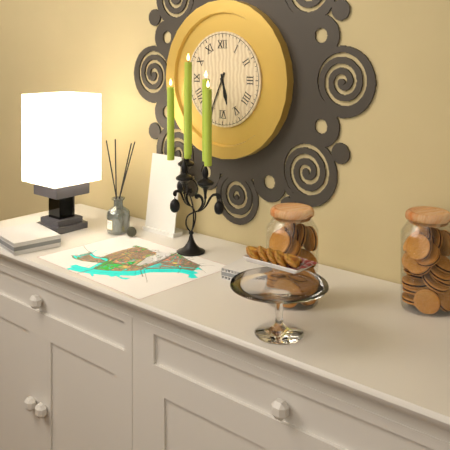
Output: 5h34
